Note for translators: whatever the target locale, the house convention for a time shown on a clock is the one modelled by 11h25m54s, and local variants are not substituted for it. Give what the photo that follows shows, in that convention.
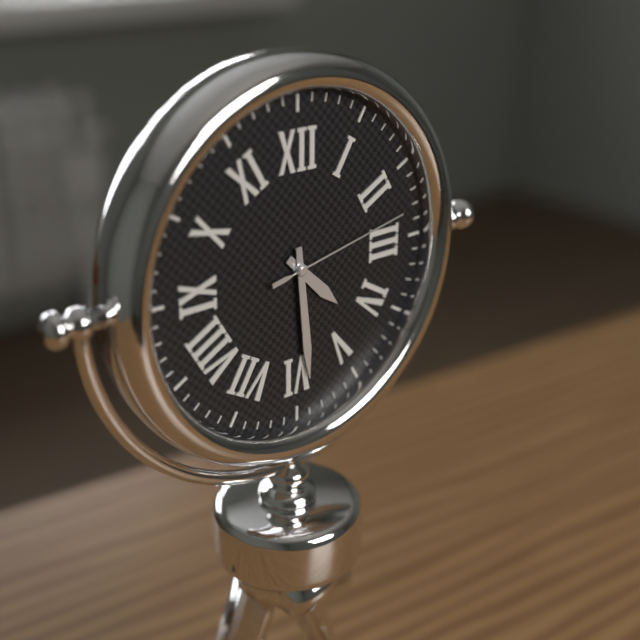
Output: 4h29m13s
